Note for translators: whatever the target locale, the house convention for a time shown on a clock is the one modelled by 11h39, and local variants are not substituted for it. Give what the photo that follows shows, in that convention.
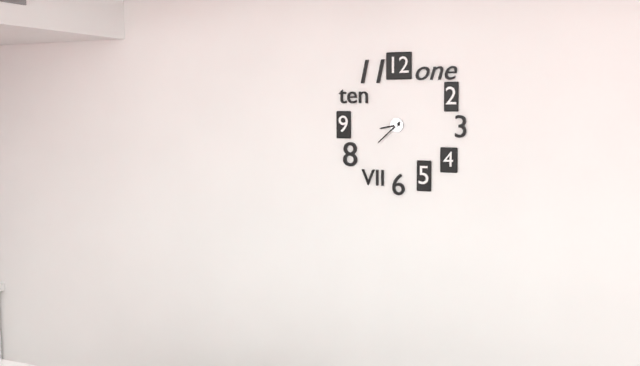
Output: 8h38
